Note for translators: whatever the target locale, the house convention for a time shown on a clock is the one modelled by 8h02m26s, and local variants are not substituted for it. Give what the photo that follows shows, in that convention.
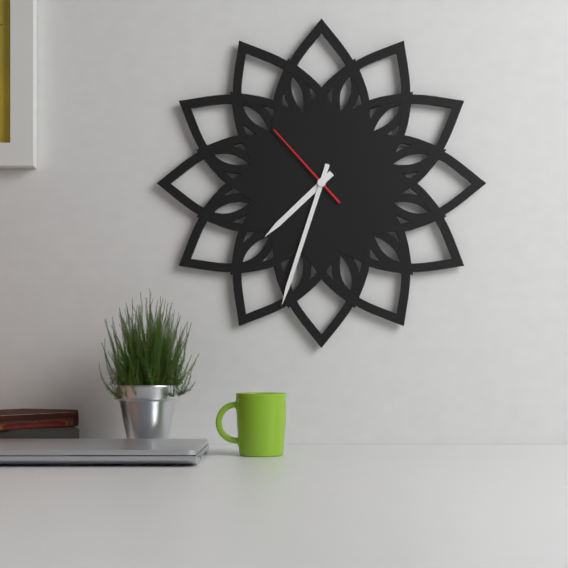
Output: 7h33m53s
